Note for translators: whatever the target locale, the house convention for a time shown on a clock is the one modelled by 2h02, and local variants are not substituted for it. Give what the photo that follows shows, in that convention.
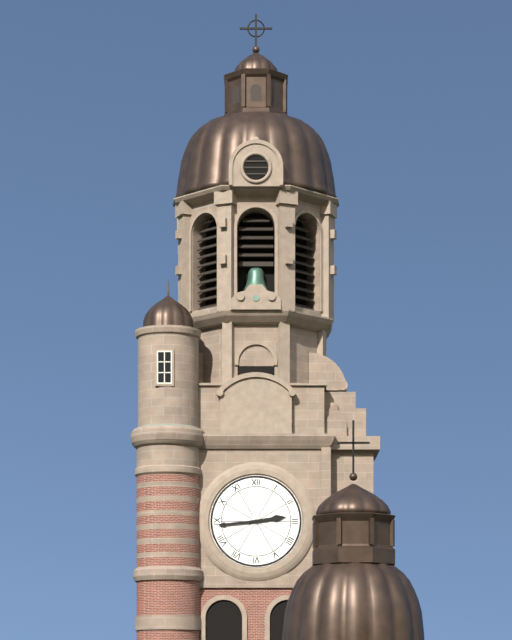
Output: 2h44
